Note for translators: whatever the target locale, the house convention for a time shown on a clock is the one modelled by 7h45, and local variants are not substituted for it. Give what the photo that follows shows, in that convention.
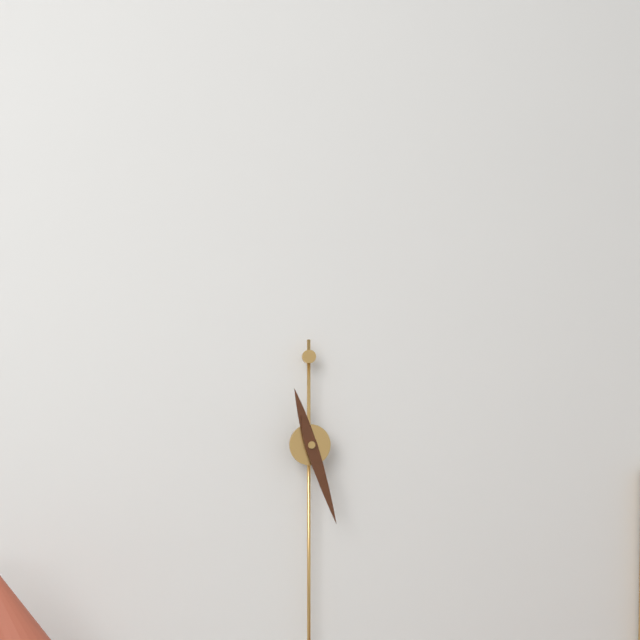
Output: 11h27
